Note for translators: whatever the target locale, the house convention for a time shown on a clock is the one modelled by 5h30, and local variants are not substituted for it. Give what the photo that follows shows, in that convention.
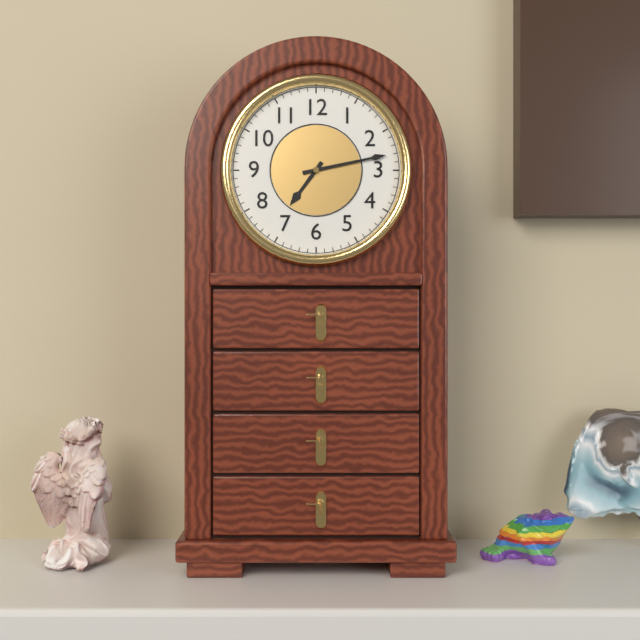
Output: 7h13
